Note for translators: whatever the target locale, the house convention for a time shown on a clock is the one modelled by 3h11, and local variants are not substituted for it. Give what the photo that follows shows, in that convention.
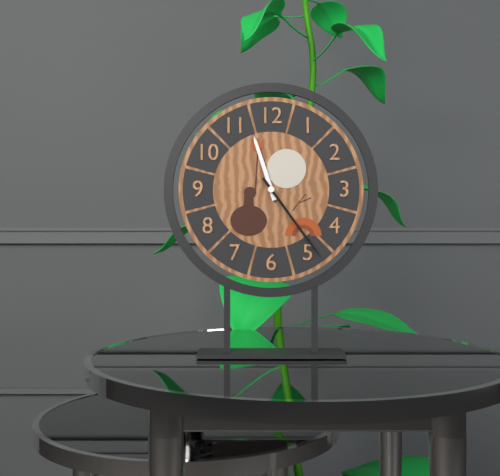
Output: 11h24
